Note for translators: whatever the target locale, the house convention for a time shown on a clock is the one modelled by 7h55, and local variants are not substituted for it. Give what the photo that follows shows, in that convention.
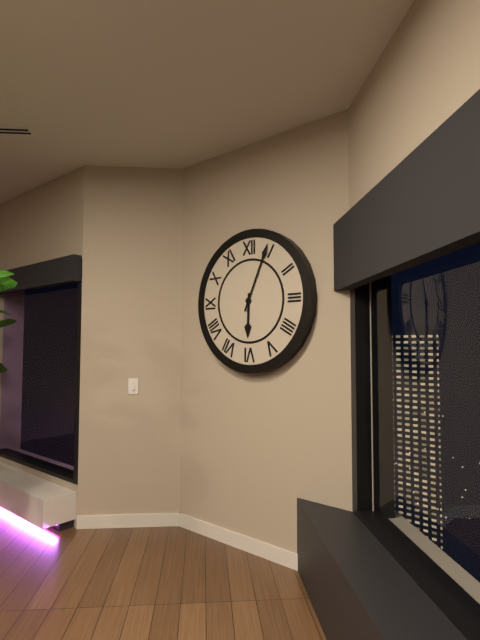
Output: 6h04
